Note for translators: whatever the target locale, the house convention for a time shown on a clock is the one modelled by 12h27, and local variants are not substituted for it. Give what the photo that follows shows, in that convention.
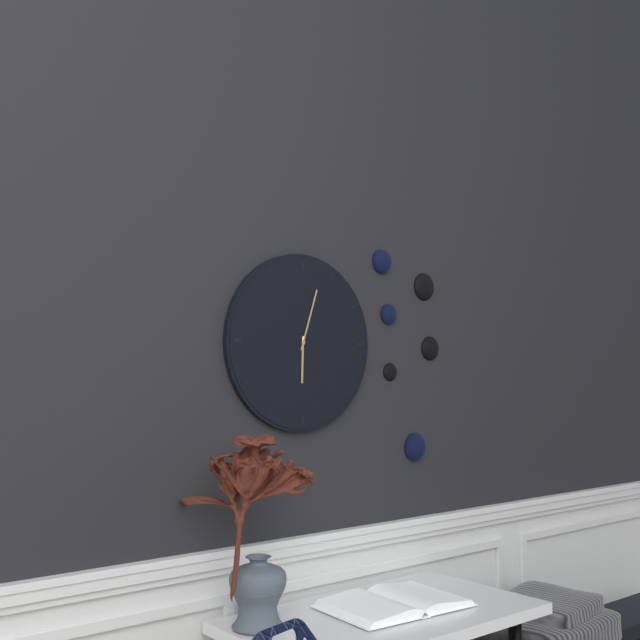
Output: 6h03
